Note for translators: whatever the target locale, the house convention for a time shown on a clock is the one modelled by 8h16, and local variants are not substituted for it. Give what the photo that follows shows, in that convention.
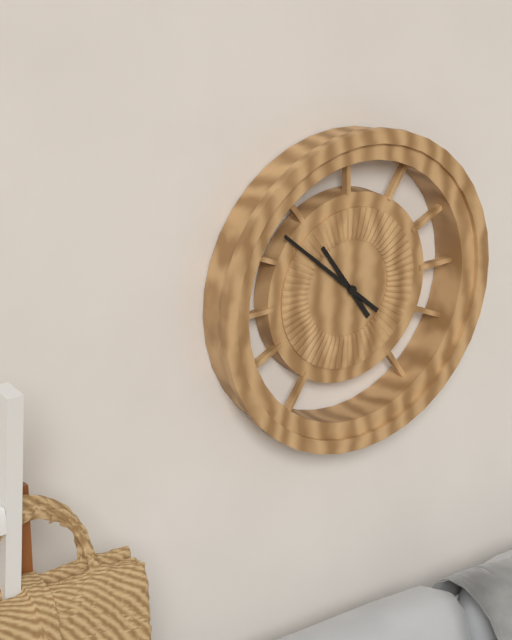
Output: 10h52
